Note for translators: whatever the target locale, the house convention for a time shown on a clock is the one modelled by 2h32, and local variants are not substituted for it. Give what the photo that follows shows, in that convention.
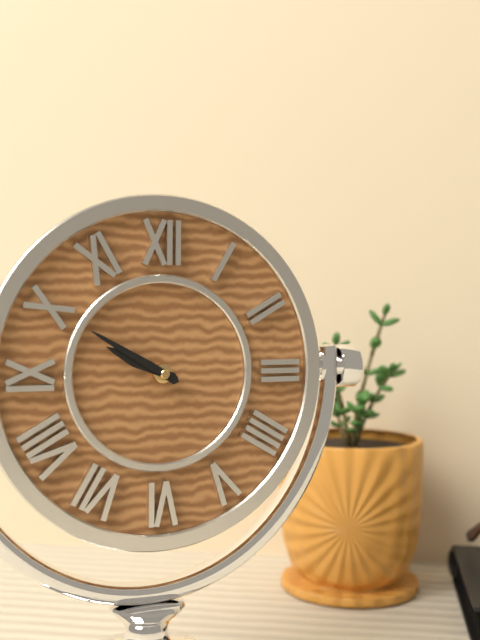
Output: 9h50
